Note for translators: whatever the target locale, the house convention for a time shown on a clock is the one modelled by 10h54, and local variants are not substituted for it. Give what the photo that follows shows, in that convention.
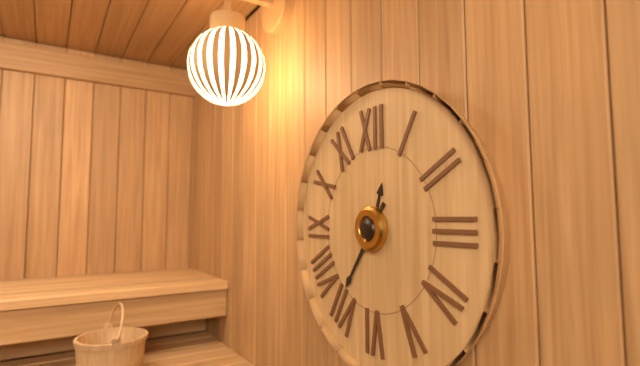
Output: 12h36
